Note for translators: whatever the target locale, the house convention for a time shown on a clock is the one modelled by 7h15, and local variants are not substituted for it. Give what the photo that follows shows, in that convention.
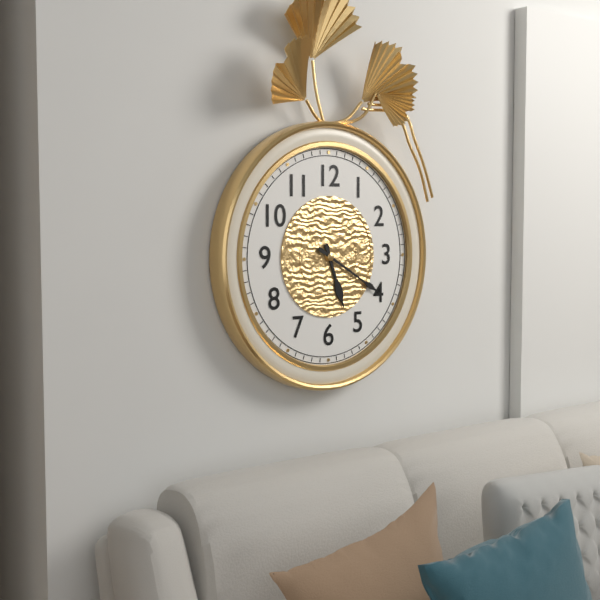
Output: 5h20
